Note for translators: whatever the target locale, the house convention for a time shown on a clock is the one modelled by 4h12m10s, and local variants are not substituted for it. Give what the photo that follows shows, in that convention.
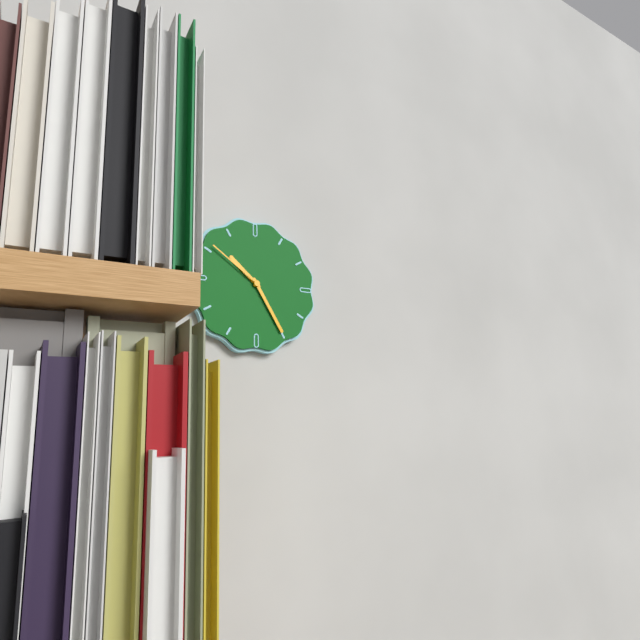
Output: 10h25m51s
